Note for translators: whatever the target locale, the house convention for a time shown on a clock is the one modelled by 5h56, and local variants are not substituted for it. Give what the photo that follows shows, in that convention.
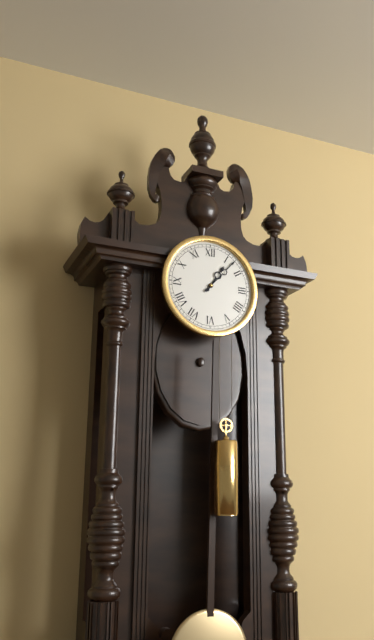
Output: 1h07
